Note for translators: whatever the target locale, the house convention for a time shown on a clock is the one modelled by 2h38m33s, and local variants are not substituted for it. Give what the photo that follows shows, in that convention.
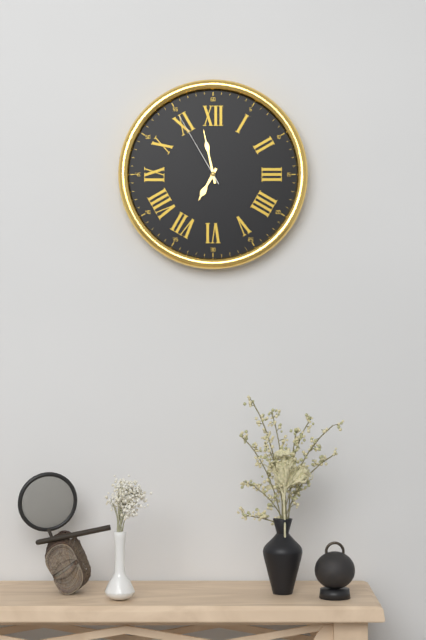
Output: 6h58m55s
